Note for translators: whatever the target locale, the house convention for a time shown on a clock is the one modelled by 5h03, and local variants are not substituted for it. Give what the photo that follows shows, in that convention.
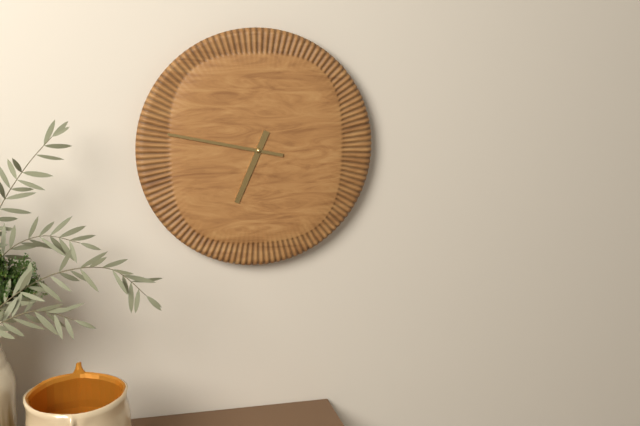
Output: 6h47
